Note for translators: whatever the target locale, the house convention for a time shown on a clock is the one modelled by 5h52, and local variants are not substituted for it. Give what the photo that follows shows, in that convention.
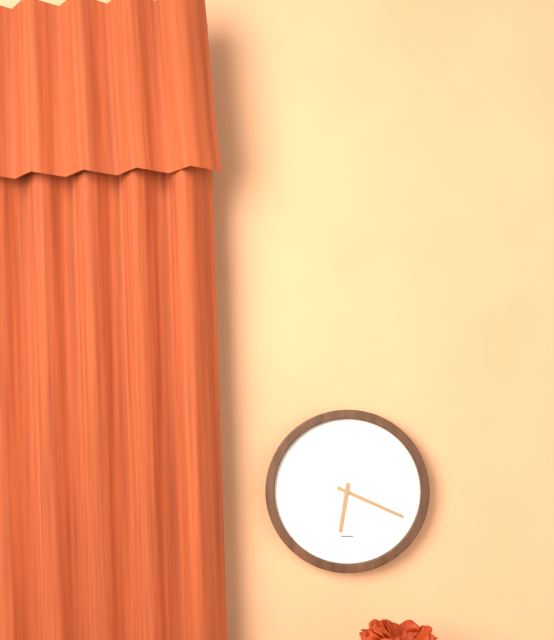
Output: 6h19
